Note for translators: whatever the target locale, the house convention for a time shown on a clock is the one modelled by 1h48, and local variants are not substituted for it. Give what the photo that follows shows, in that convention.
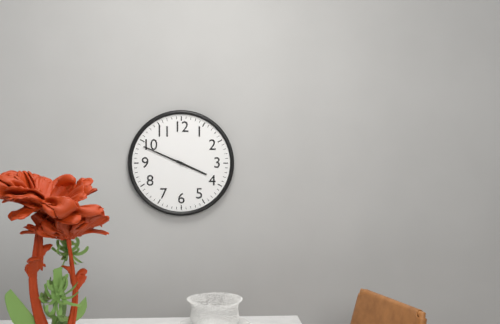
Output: 3h49
